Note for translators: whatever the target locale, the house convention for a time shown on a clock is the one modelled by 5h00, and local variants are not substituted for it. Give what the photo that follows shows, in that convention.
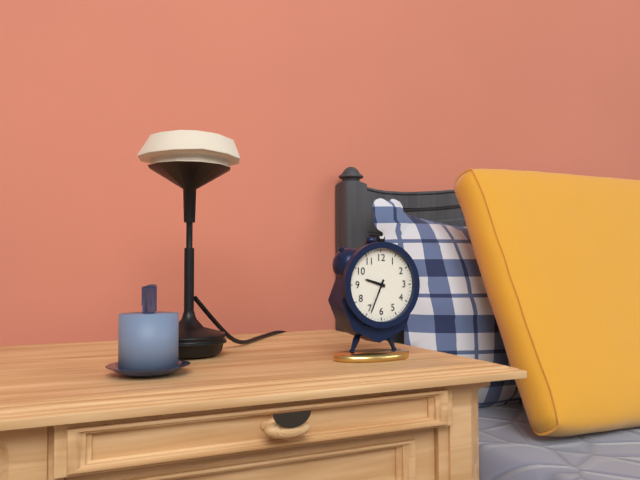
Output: 9h34
